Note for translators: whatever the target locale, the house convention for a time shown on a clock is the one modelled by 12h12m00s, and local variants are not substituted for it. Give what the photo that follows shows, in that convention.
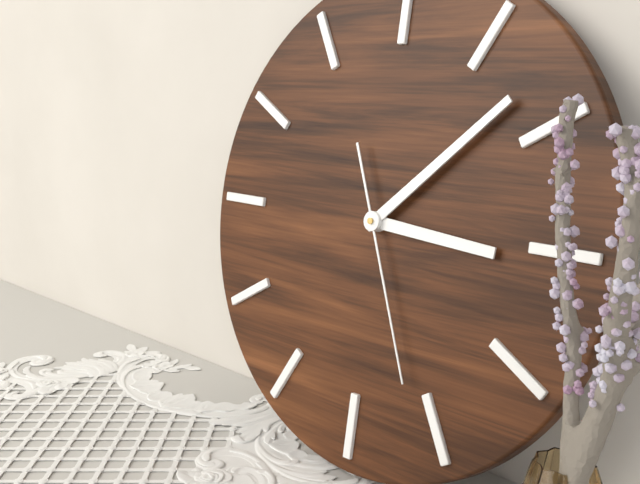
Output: 3h08m26s
